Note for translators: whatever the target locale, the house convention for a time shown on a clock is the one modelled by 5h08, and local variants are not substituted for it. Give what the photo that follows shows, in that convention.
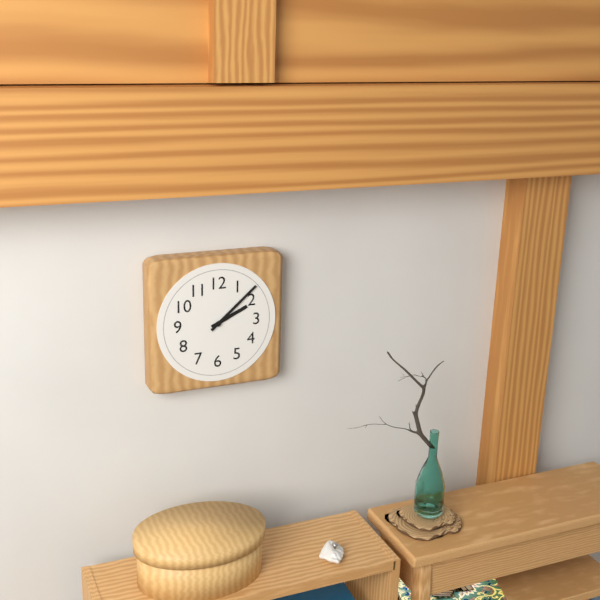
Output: 2h08
